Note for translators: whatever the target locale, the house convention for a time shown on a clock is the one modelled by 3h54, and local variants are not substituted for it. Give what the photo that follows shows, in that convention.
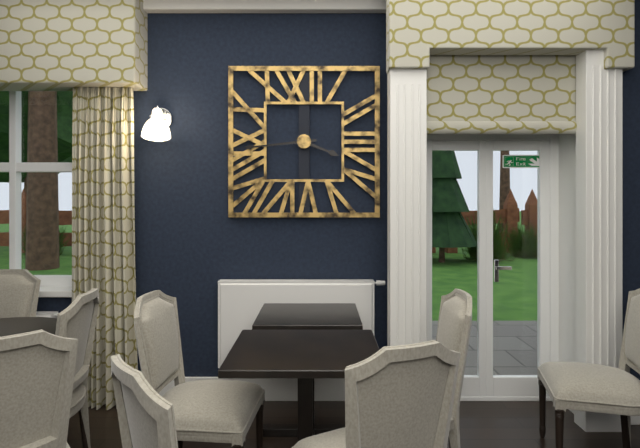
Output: 3h44
